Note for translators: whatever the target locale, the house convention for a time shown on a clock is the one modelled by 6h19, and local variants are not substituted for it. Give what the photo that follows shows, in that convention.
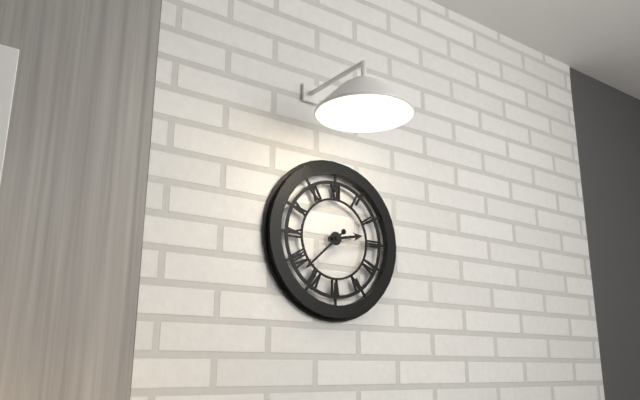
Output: 2h38
